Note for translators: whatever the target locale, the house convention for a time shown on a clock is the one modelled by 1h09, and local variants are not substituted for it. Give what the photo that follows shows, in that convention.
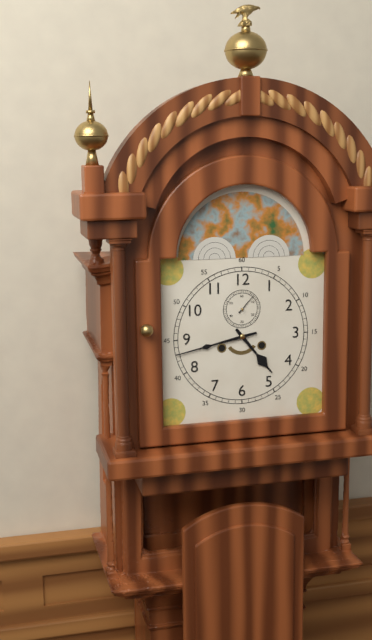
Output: 4h43
